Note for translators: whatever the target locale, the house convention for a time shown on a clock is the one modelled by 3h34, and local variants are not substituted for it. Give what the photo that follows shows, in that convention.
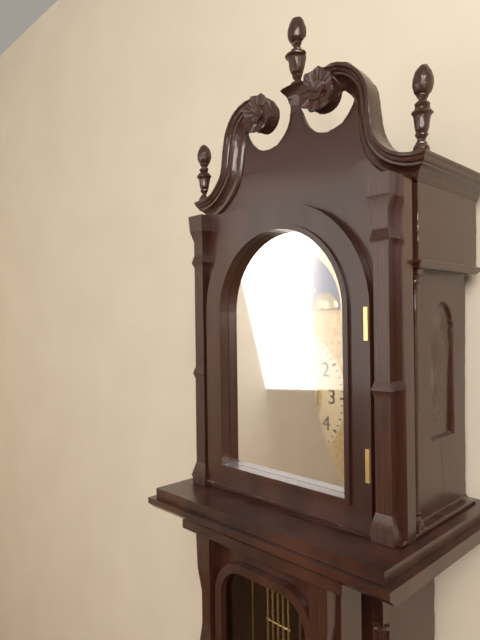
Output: 10h34
